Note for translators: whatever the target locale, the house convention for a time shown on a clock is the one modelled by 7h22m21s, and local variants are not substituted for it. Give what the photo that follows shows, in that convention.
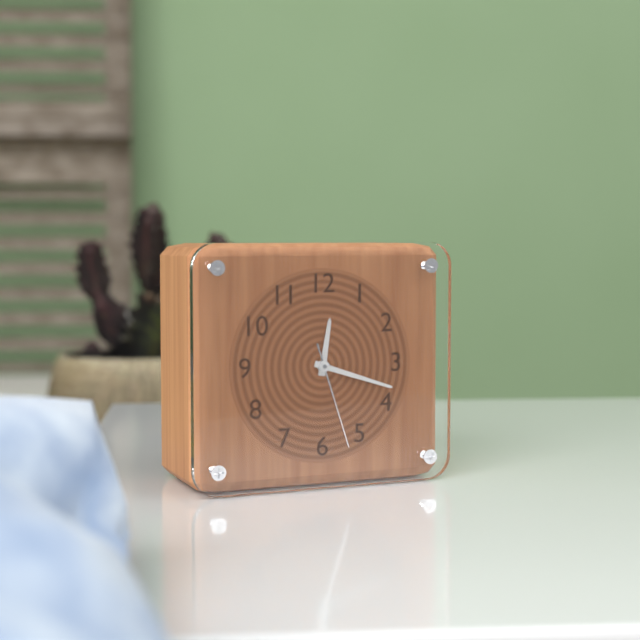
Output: 12h18m27s
